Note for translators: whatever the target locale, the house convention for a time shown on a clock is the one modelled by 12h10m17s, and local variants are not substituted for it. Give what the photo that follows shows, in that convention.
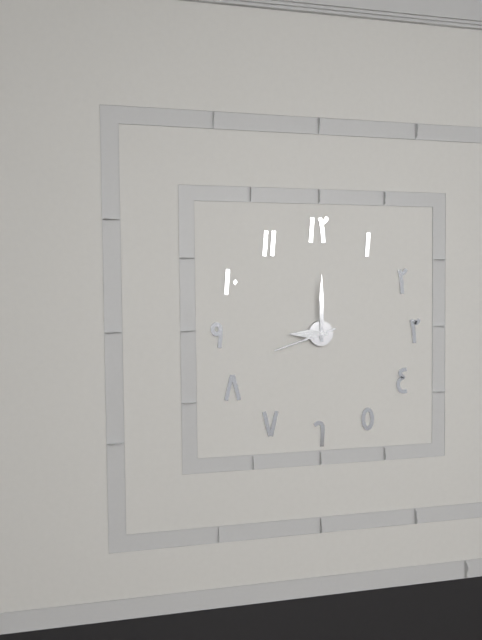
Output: 9h00m42s
